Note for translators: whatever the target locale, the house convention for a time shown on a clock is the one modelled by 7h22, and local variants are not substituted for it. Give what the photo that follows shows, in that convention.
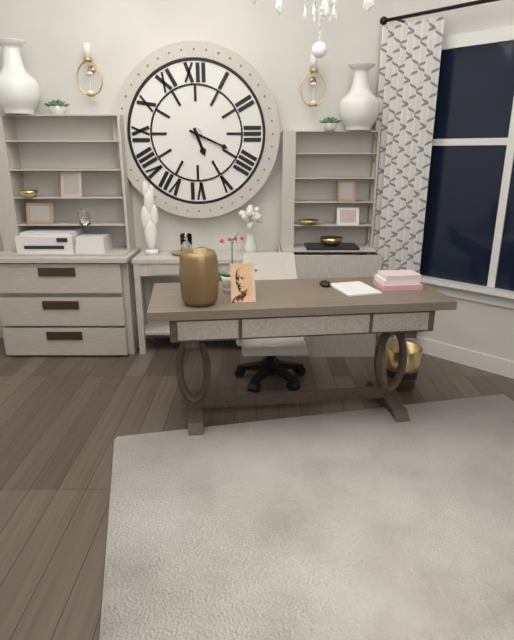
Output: 5h19
